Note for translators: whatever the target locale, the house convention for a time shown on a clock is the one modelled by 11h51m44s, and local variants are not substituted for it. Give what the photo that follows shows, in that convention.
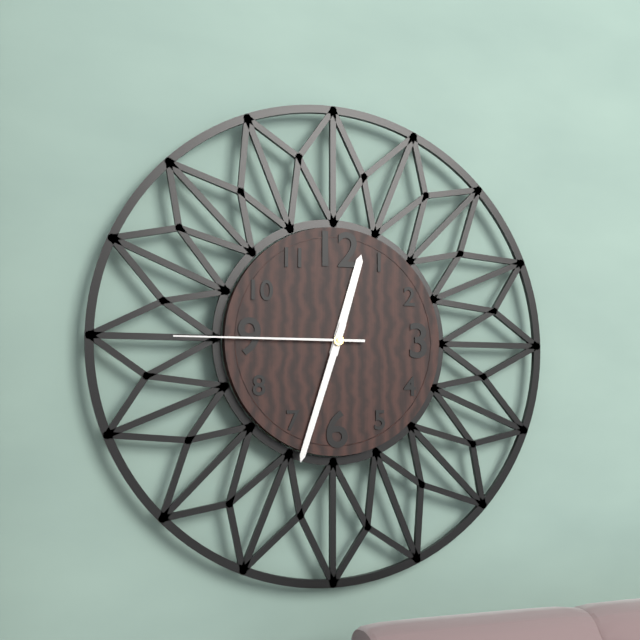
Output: 12h33m45s
